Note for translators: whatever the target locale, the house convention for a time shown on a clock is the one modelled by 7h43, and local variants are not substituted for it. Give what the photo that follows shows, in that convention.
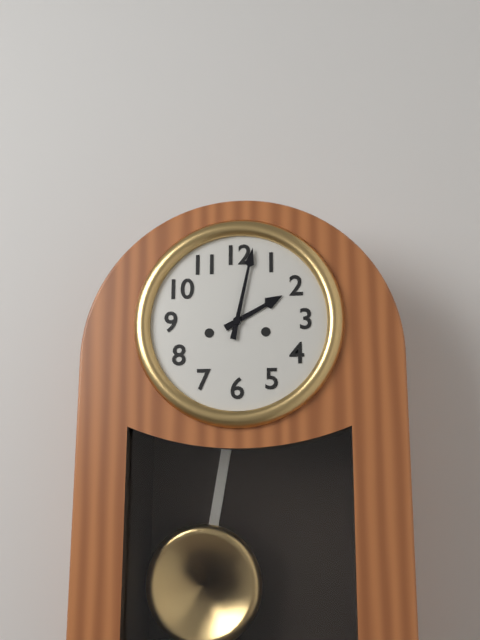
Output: 2h02
